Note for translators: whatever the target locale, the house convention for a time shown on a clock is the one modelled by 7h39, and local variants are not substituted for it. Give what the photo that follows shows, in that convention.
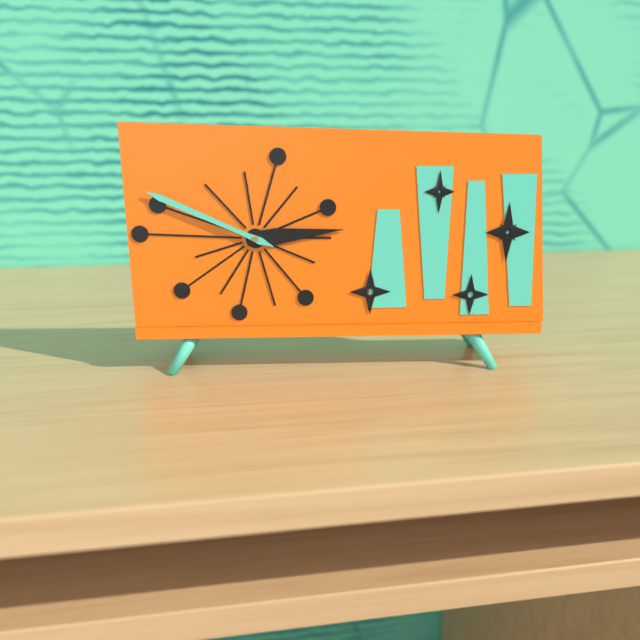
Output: 2h49
